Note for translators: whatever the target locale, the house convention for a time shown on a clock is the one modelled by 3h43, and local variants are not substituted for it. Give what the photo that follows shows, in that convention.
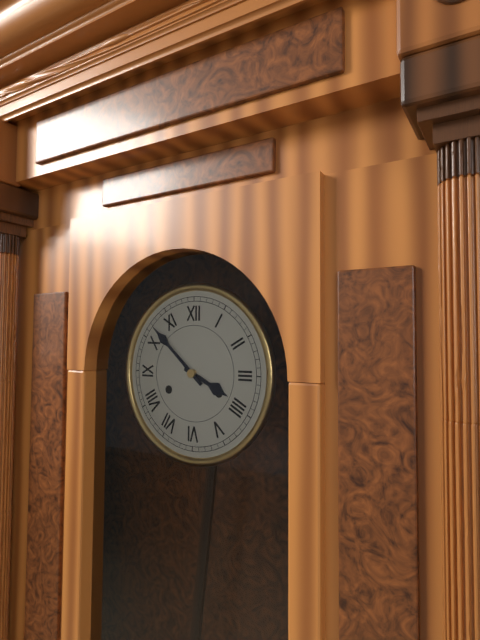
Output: 3h52
